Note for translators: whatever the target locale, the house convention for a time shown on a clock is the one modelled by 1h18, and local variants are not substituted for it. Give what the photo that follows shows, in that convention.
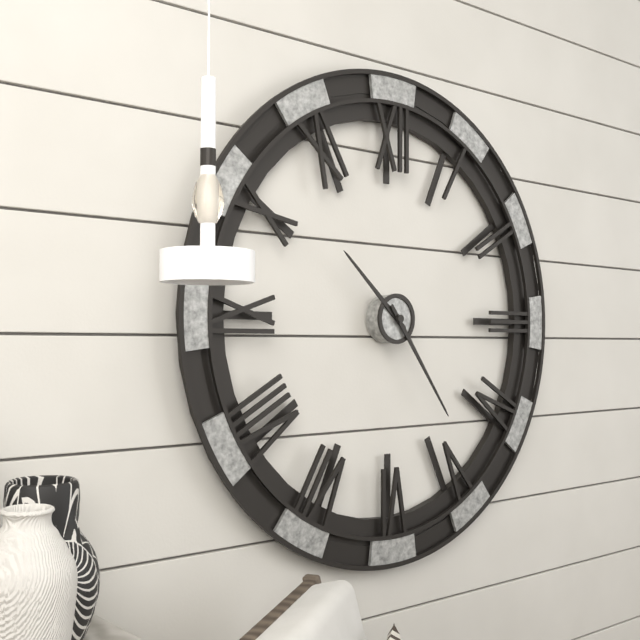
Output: 10h24
